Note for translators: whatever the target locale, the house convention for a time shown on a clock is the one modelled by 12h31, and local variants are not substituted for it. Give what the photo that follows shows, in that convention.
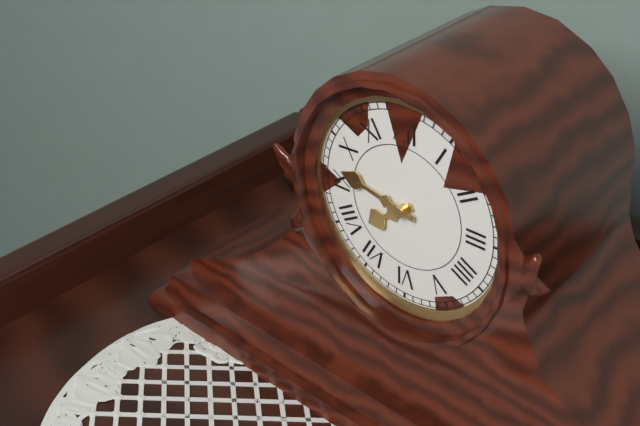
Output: 7h47
